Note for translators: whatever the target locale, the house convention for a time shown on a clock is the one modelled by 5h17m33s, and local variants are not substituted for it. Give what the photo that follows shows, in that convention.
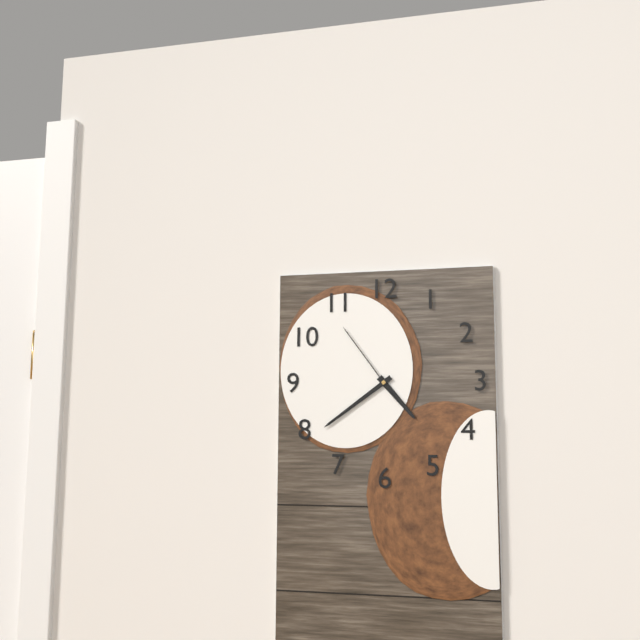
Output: 4h39m54s
